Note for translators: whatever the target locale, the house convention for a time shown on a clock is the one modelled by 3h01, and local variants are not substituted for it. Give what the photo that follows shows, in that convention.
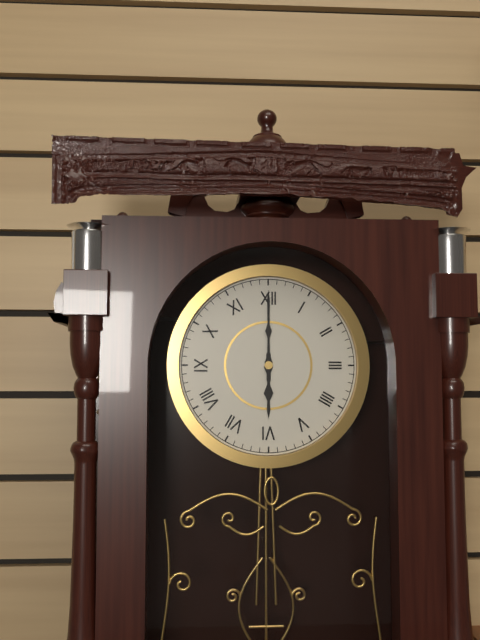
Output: 6h00
